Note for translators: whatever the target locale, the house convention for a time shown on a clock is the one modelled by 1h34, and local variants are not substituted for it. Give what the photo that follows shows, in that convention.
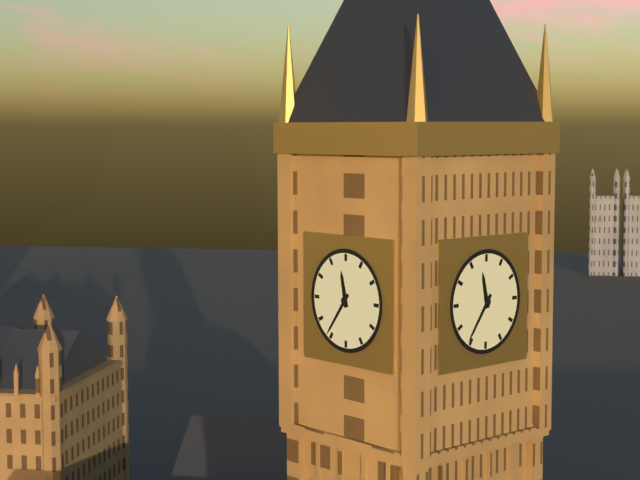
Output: 11h36
